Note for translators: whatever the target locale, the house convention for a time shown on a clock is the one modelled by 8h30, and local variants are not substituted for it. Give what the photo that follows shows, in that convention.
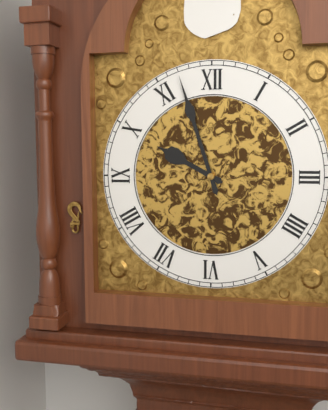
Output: 9h57
